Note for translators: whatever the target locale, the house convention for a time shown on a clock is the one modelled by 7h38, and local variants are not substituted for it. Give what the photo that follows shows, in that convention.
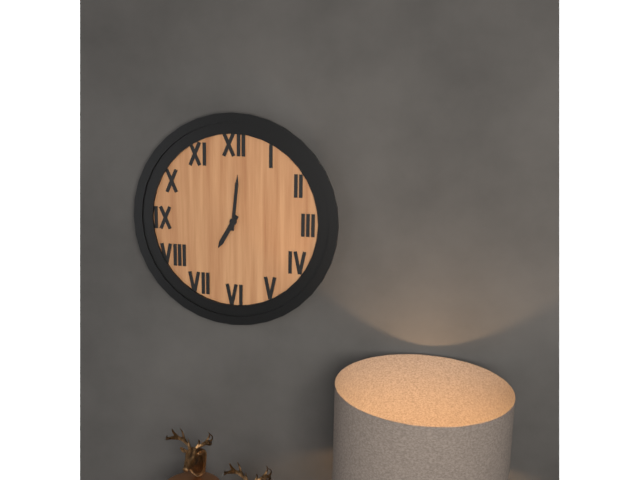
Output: 7h01
